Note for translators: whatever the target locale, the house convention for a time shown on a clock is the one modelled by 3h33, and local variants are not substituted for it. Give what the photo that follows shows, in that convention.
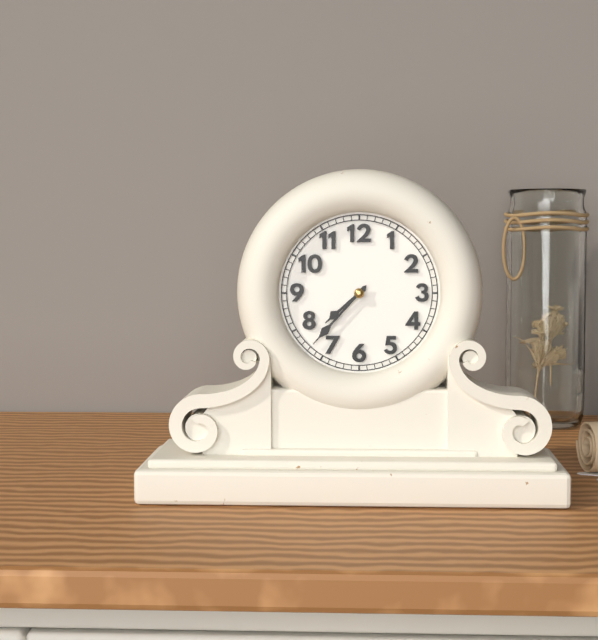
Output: 7h37
